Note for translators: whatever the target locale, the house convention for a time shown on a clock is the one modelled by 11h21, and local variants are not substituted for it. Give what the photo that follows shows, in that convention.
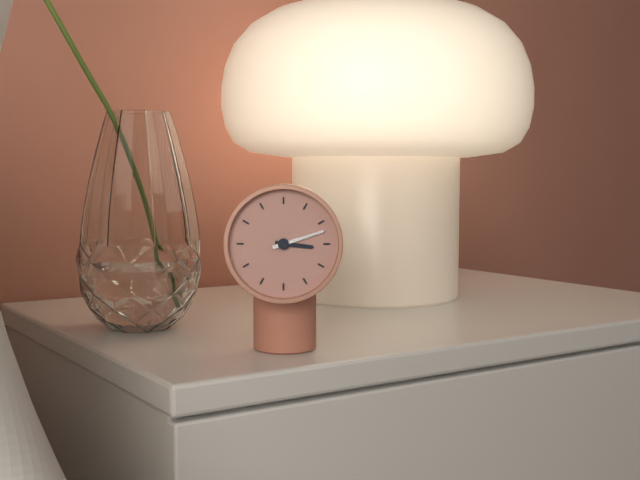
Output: 3h12
